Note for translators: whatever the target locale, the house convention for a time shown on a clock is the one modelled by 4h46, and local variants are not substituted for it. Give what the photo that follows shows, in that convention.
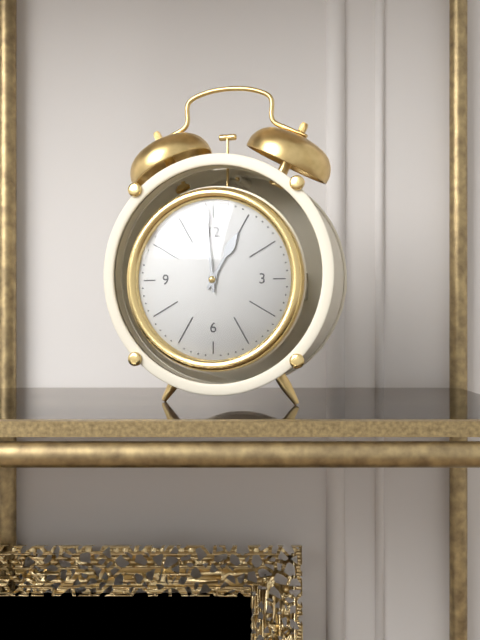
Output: 12h59
